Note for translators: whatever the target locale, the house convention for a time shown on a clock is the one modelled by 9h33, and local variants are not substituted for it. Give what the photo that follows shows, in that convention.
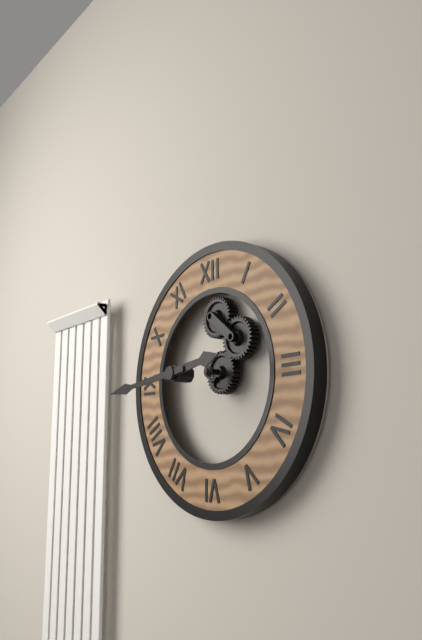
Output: 2h44
